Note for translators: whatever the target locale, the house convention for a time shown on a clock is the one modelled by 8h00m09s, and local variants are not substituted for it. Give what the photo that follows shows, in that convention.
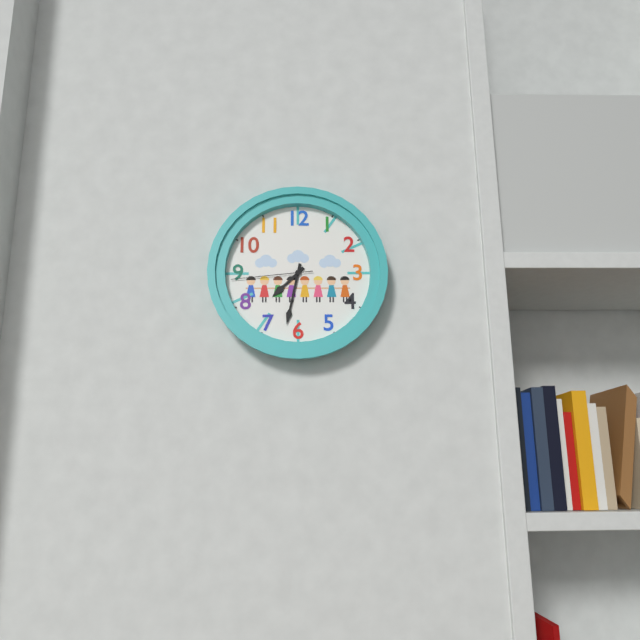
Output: 7h32m44s
